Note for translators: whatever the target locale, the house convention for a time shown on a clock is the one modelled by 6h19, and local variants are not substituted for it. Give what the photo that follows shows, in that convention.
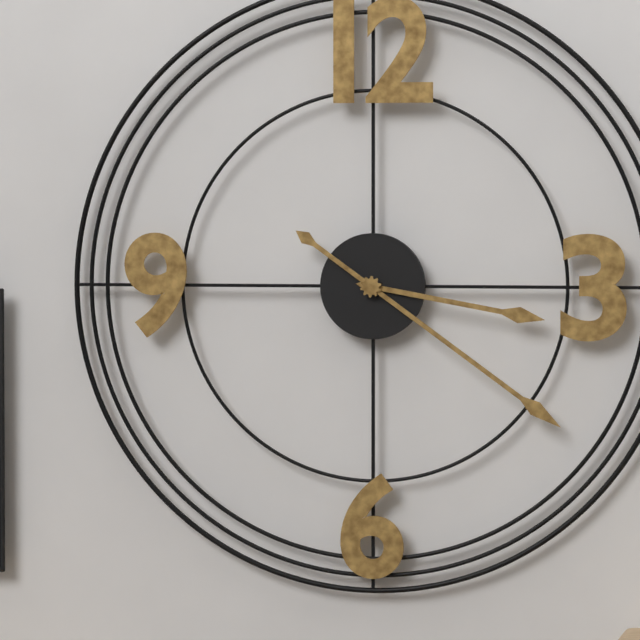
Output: 3h21
